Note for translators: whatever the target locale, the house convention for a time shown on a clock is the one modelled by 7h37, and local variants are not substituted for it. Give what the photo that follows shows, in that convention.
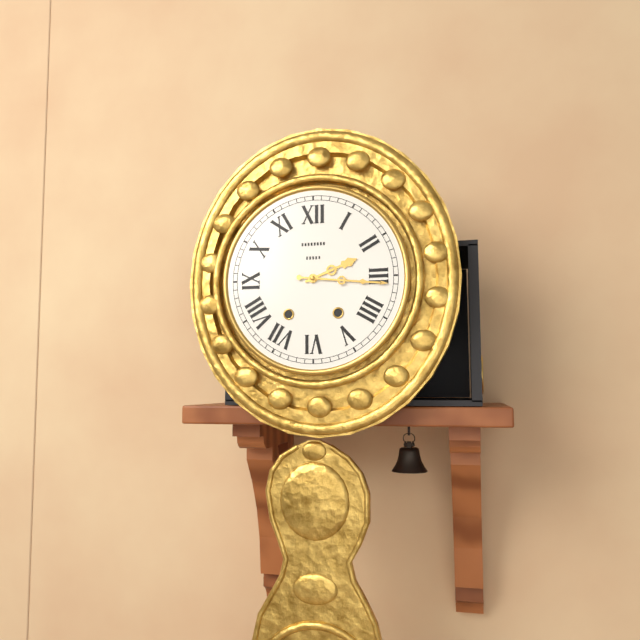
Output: 2h16
